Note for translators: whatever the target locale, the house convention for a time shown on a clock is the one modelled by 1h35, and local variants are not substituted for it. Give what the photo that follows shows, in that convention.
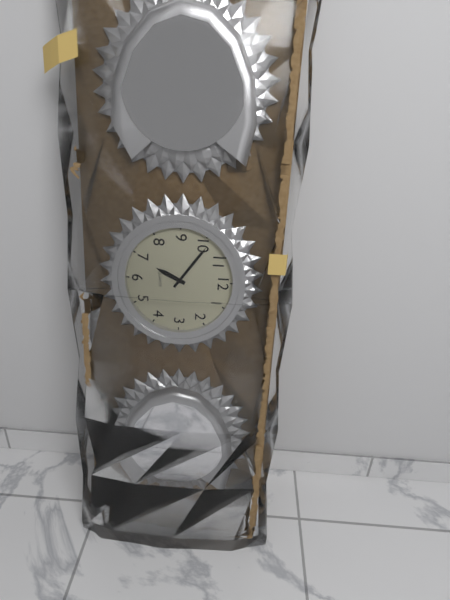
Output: 6h51
